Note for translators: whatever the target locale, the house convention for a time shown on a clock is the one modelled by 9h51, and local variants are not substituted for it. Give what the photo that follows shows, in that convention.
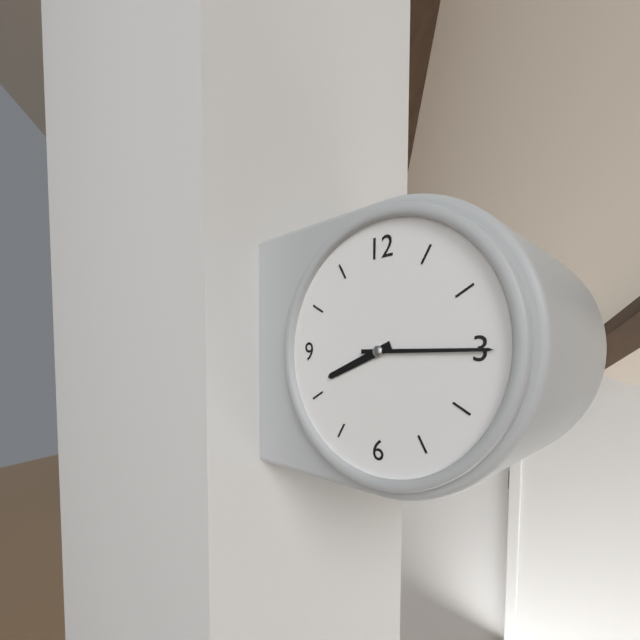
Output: 8h15
